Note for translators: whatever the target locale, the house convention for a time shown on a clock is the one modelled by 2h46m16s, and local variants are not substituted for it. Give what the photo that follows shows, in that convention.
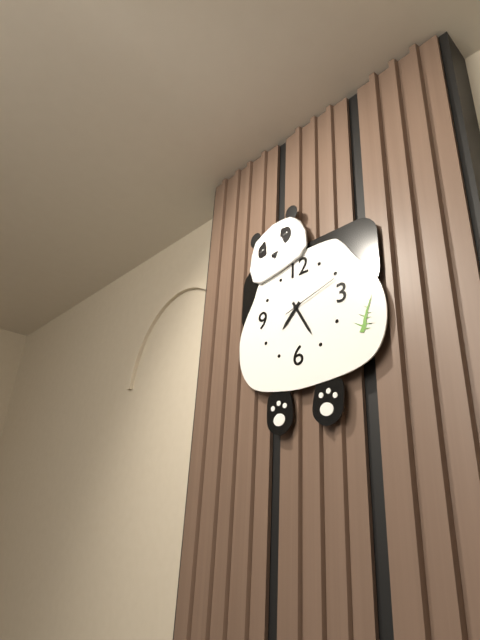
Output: 7h25m12s
